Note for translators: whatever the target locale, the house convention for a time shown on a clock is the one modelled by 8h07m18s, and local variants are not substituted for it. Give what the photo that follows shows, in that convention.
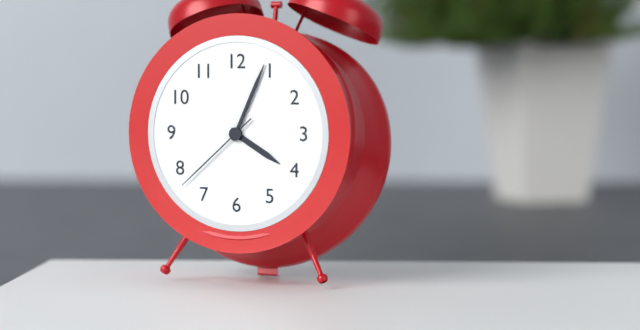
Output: 4h04m38s
